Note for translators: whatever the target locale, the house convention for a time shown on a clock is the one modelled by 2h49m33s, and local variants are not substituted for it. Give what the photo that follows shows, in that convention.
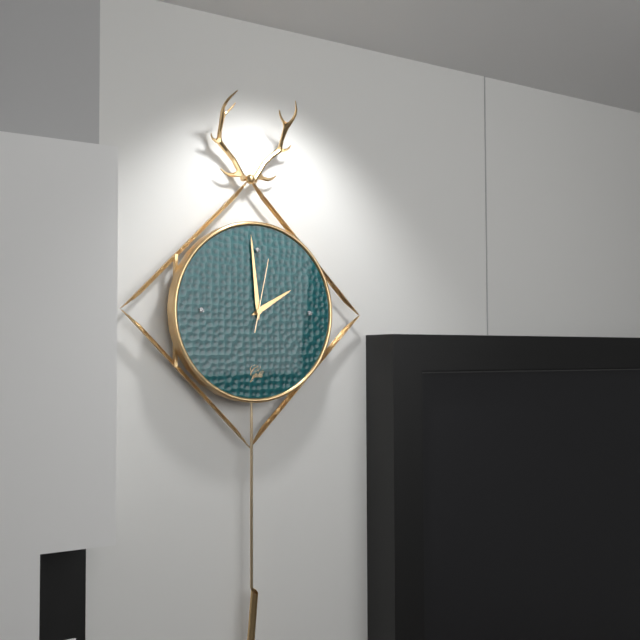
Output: 1h59m02s
